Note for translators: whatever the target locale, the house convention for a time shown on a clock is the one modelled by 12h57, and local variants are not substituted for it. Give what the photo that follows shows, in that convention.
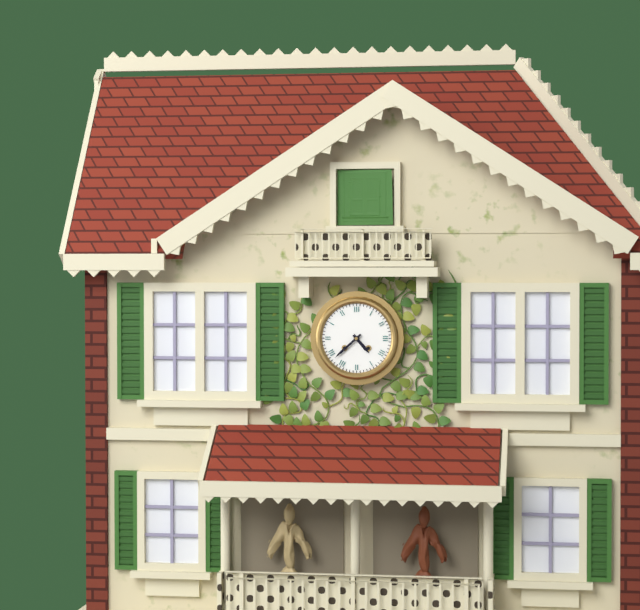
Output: 4h38
